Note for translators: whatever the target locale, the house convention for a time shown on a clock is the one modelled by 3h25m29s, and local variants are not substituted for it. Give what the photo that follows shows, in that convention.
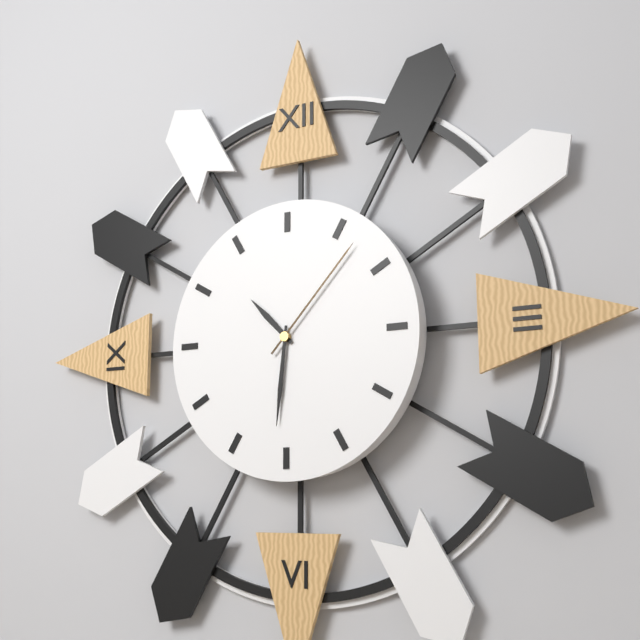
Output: 10h31m07s
